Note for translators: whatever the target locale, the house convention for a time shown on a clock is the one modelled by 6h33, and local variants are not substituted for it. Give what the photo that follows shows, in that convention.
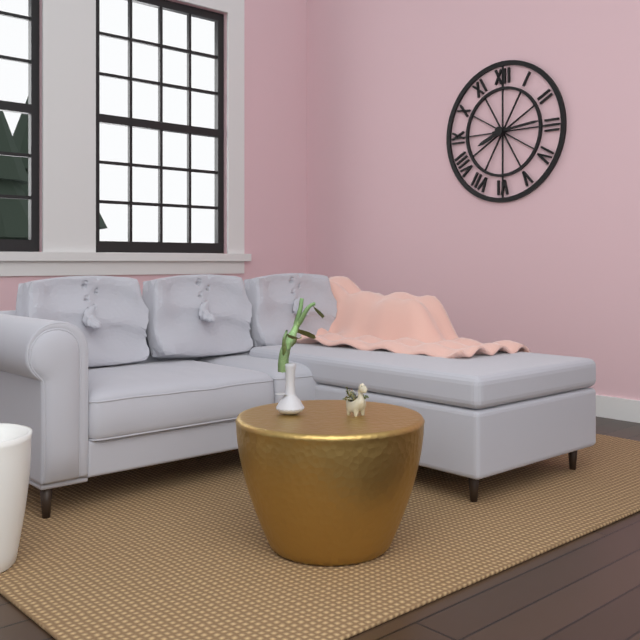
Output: 8h14
